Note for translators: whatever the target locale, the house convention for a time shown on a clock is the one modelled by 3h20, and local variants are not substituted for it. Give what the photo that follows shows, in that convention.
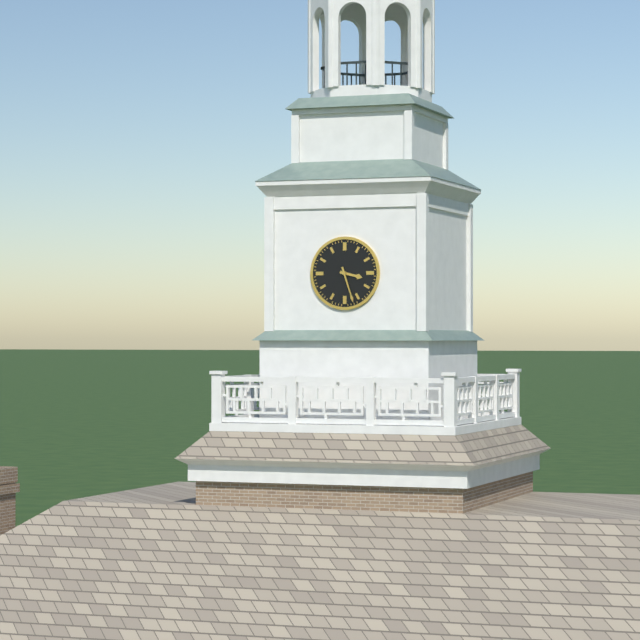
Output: 3h27
